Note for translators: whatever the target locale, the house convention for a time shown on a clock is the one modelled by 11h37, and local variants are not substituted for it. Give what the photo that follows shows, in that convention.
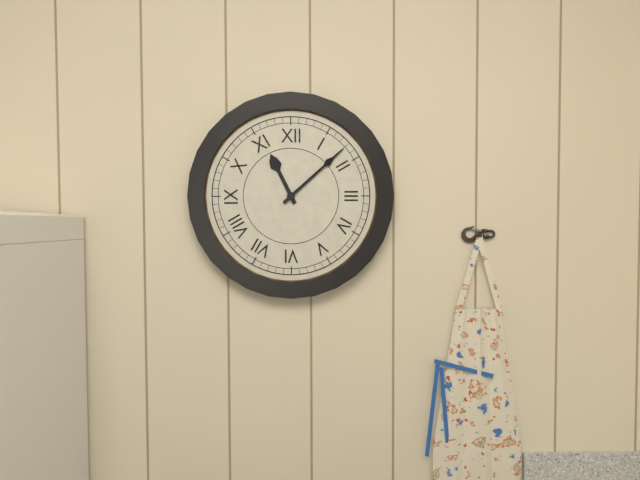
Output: 11h08
